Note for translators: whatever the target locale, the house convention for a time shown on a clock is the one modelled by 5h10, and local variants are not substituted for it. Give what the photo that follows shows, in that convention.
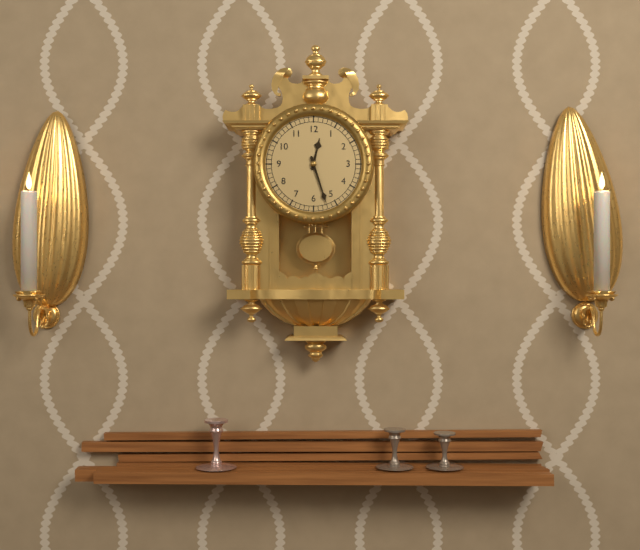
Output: 12h27
